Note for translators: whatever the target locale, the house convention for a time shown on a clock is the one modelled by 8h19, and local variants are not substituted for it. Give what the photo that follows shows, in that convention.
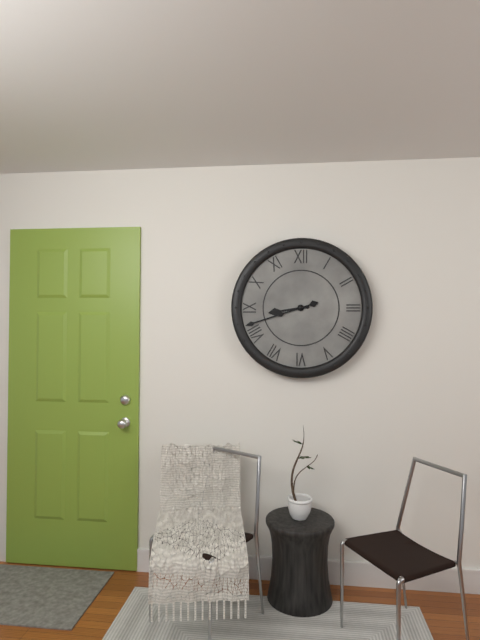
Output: 8h42
